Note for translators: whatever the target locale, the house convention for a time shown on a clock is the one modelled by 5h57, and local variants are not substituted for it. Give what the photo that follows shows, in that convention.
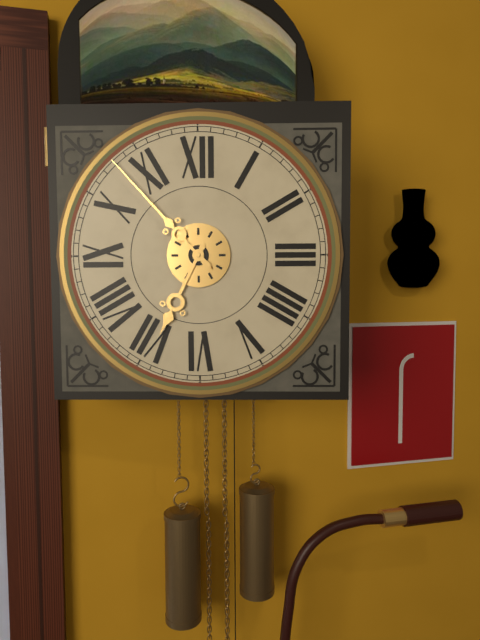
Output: 6h53
